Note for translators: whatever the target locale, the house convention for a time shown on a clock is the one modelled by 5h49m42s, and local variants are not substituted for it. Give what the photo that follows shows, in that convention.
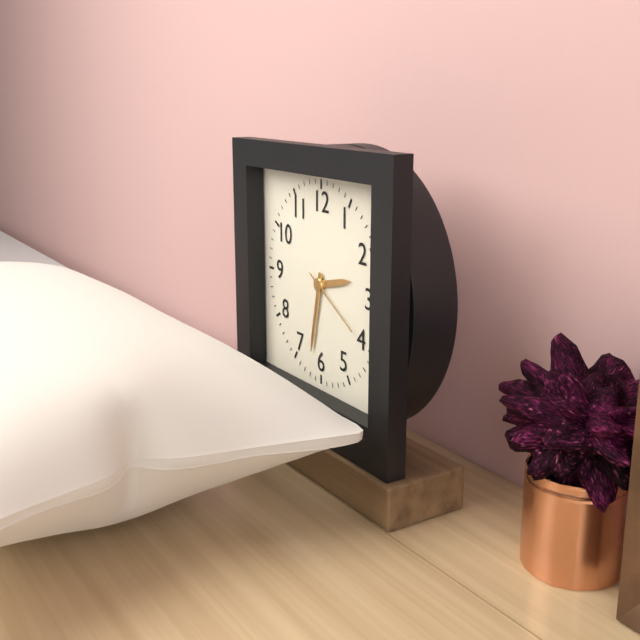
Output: 2h32m20s
